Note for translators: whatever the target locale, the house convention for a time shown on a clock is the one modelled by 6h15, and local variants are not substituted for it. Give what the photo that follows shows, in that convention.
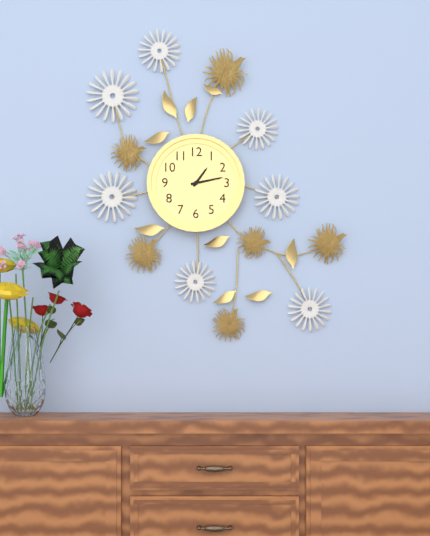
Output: 1h13
